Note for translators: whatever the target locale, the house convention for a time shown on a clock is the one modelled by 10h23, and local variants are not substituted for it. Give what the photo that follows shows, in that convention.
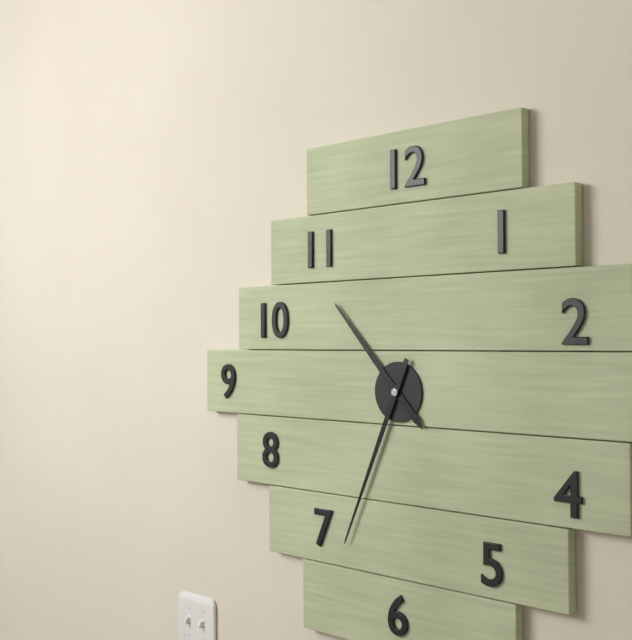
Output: 10h34
